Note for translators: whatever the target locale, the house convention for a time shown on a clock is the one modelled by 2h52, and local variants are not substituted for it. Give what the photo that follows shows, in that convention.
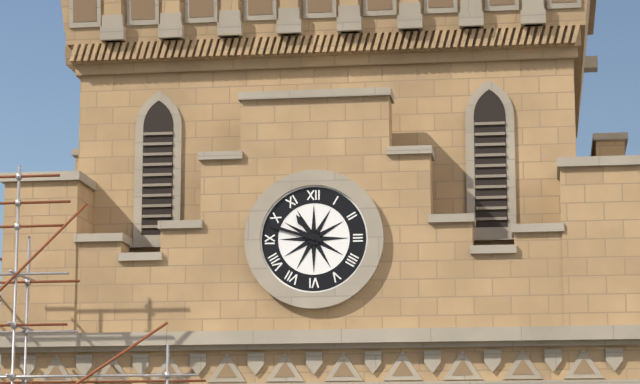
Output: 10h48
